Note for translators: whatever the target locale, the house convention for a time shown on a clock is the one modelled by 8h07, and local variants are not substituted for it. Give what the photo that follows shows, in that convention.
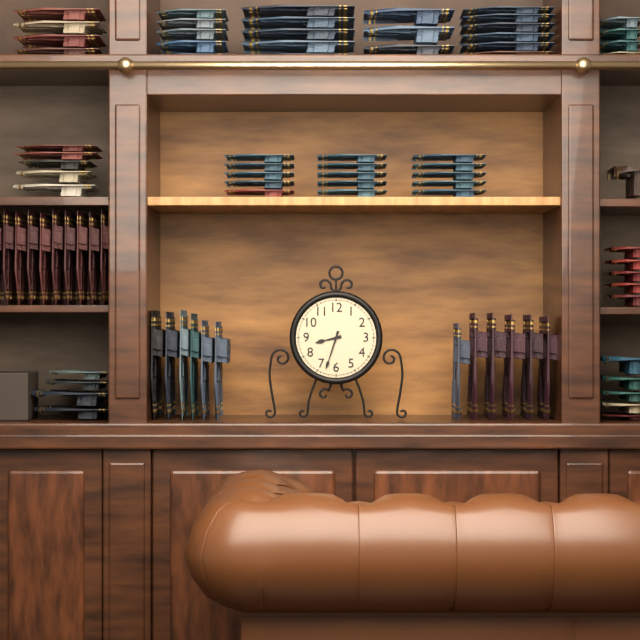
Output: 8h33
